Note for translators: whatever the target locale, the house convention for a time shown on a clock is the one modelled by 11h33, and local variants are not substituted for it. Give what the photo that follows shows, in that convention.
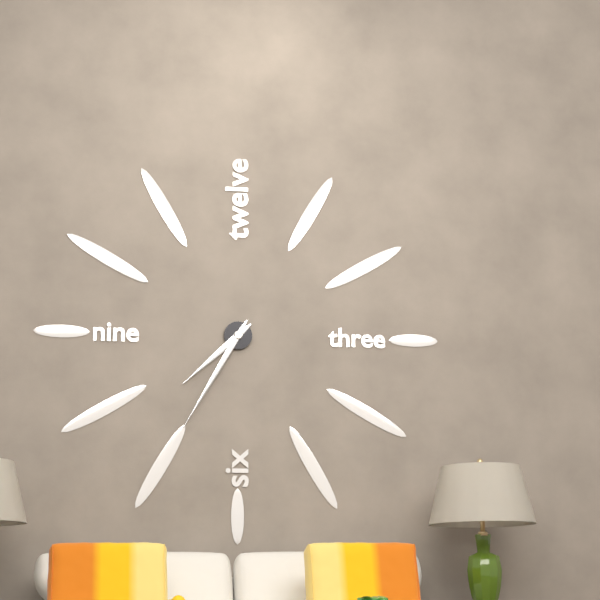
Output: 7h35
